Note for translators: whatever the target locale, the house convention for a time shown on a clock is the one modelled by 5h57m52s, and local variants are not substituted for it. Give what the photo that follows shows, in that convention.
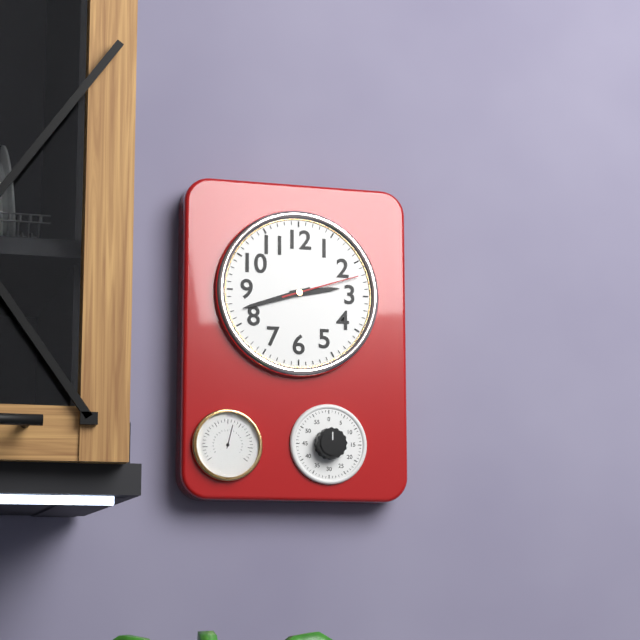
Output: 2h42m12s
